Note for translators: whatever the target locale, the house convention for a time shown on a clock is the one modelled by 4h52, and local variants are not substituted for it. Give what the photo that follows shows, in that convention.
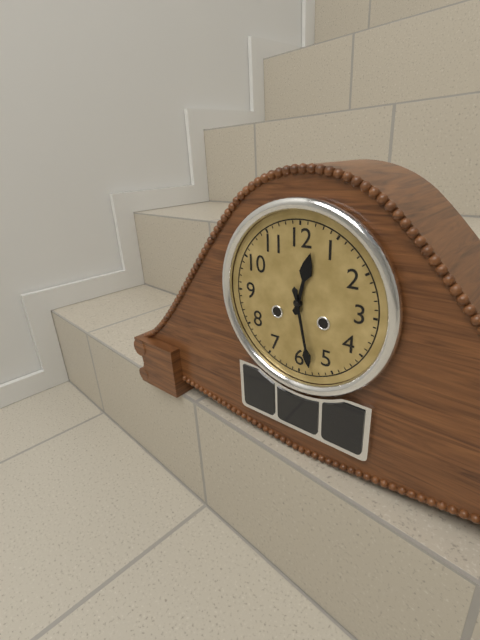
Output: 12h28
